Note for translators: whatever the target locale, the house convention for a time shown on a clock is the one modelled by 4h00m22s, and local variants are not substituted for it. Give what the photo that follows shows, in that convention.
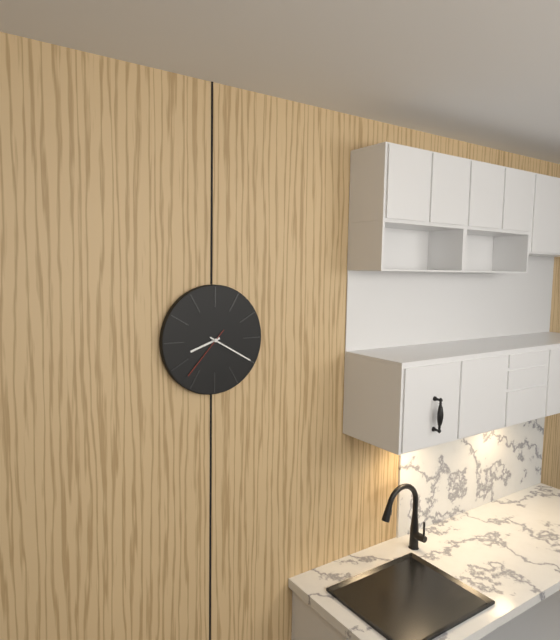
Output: 8h20m37s
